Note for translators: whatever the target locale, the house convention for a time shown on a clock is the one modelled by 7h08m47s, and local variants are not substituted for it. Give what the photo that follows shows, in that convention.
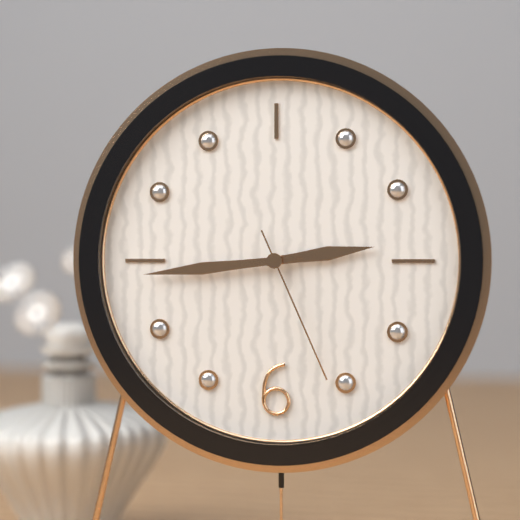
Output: 2h44m26s
